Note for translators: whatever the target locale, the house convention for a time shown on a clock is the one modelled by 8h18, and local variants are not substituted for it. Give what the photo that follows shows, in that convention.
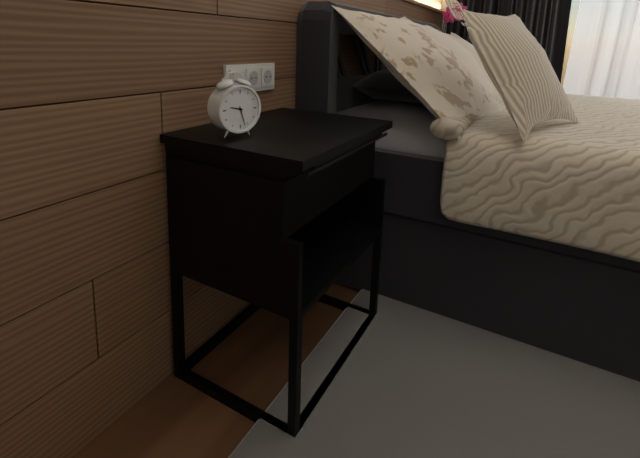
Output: 9h27
